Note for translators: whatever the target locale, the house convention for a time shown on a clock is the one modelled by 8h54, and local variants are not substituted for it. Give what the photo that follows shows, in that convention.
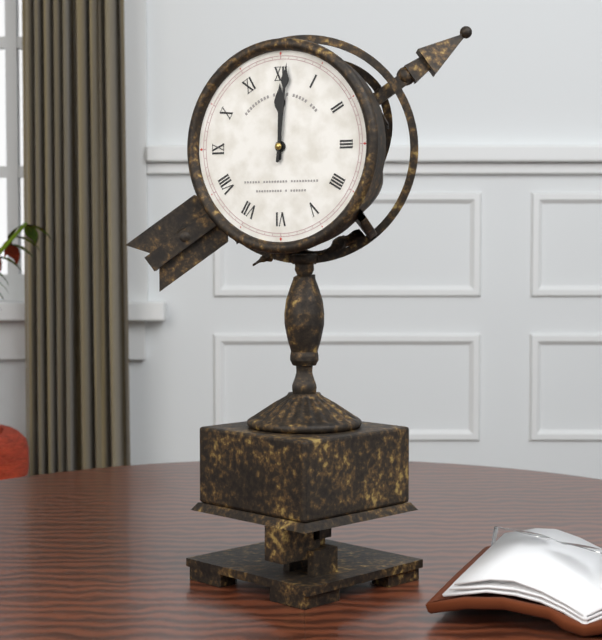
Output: 12h01
